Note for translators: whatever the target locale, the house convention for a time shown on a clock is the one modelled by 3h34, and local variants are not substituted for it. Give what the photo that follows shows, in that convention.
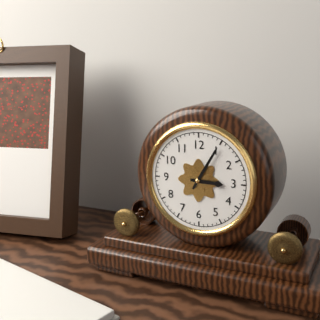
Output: 3h05
